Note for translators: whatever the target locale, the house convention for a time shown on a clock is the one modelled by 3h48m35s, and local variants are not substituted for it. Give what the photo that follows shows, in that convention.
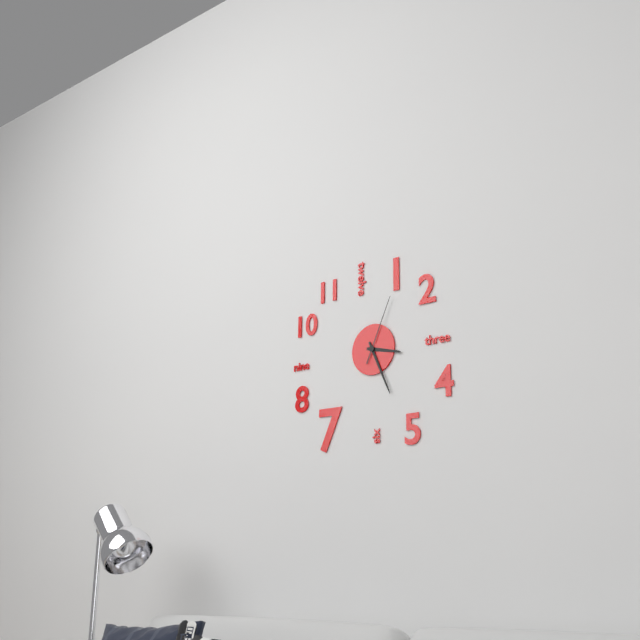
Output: 3h26m04s
